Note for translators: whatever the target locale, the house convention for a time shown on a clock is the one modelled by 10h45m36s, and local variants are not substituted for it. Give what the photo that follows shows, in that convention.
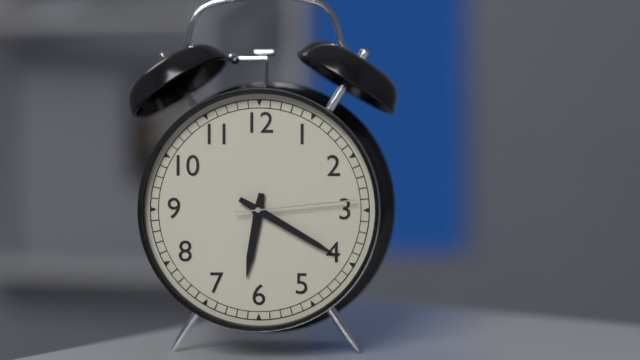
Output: 6h20m14s
